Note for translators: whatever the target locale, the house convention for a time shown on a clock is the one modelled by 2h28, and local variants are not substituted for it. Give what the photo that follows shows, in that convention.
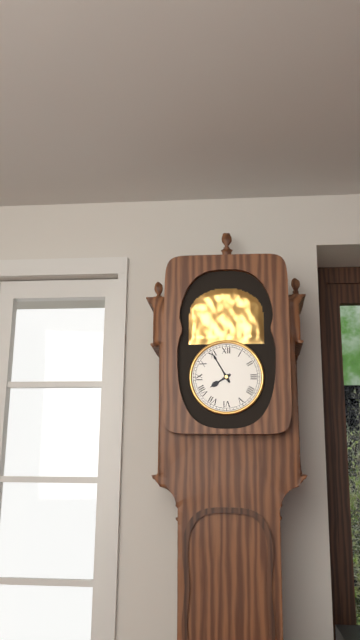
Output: 7h55
